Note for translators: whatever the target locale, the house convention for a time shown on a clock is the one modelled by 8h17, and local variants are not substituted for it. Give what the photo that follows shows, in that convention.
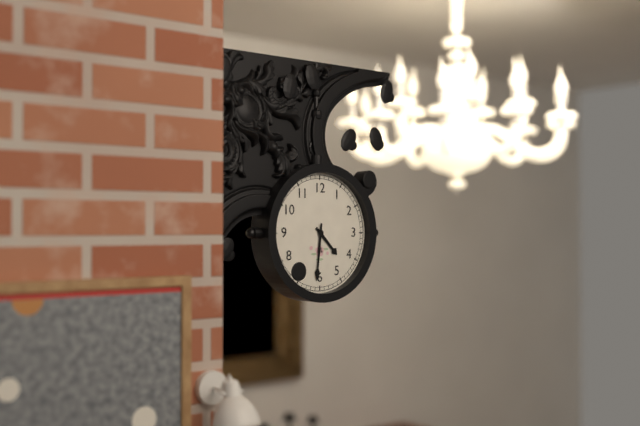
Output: 4h31
